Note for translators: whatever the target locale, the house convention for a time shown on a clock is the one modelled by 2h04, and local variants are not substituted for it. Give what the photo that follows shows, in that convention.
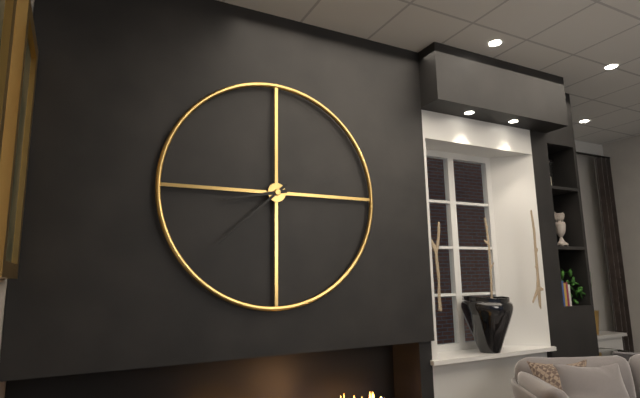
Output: 8h38
